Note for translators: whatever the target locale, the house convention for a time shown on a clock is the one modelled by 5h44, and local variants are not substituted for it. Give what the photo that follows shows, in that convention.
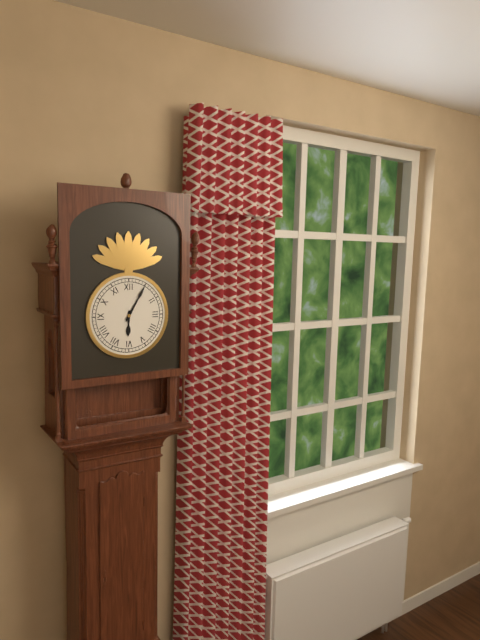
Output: 6h05
